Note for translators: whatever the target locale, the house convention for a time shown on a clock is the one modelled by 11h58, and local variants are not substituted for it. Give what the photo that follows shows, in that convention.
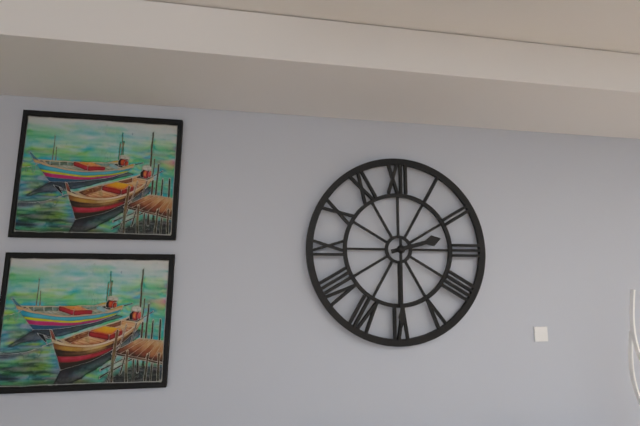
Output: 2h30
